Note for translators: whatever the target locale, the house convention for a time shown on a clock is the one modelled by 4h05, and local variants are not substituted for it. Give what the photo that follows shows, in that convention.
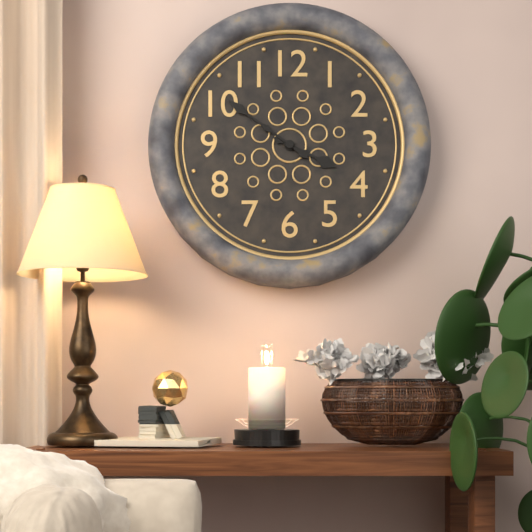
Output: 3h51
